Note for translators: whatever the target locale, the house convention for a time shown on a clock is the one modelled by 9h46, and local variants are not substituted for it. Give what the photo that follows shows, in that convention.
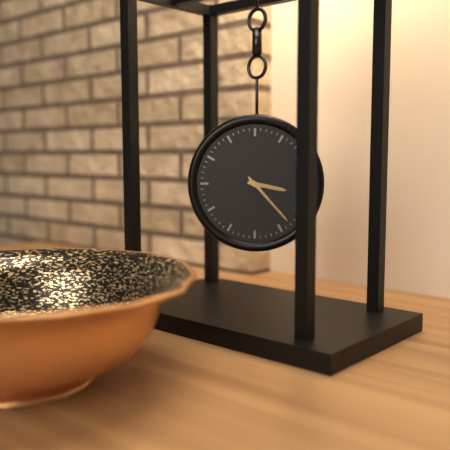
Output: 3h23
